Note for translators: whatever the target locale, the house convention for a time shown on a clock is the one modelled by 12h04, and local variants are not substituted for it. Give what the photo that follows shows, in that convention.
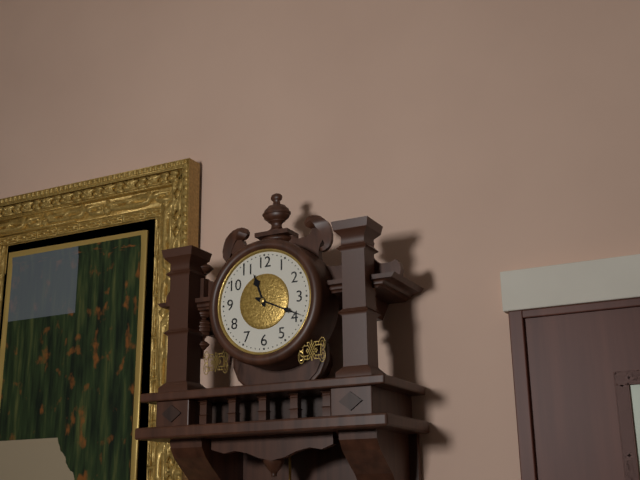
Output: 11h19
